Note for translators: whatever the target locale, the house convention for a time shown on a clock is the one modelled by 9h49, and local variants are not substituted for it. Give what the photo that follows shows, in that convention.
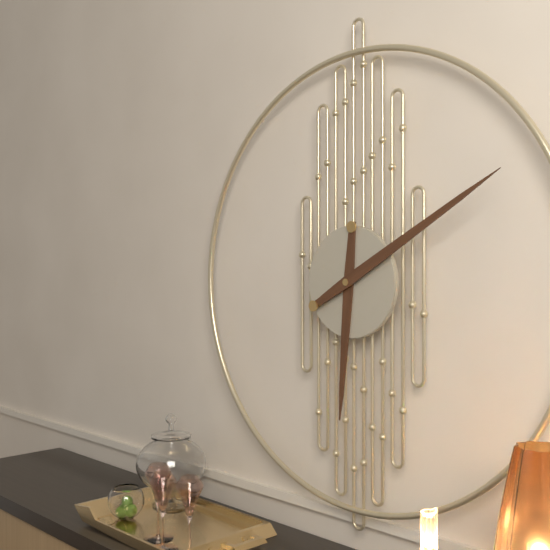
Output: 6h10
